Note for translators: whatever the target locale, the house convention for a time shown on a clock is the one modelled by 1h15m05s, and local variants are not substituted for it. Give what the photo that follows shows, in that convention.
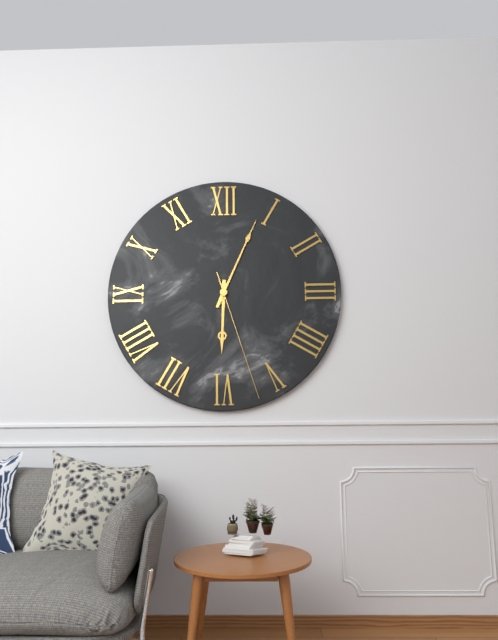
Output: 6h04m27s
